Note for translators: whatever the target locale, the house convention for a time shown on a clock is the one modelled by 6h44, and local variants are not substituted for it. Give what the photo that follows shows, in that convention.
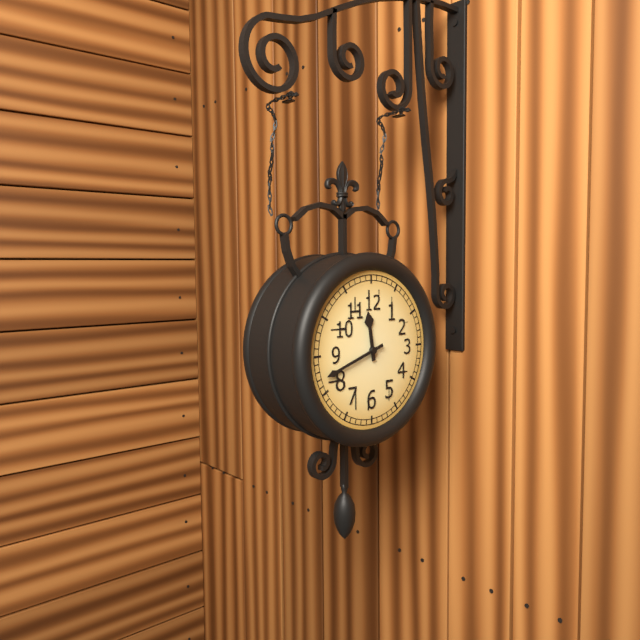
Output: 11h42
